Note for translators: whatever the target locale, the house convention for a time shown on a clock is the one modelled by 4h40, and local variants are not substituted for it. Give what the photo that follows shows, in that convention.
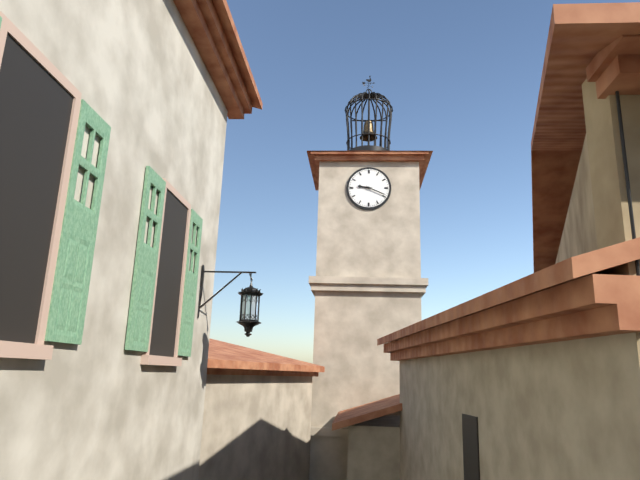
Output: 9h19
